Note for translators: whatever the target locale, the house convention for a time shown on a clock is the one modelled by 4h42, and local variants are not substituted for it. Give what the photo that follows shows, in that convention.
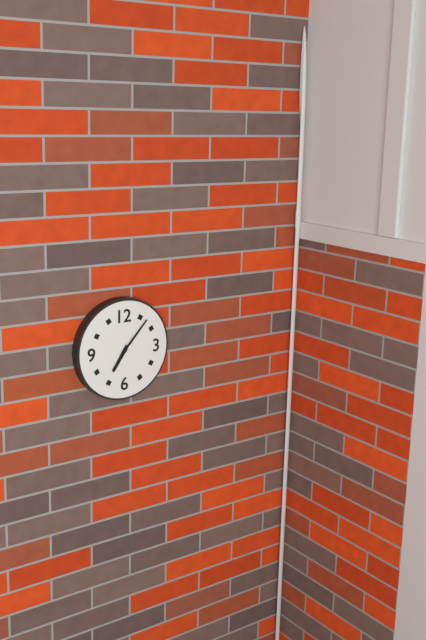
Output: 7h07
